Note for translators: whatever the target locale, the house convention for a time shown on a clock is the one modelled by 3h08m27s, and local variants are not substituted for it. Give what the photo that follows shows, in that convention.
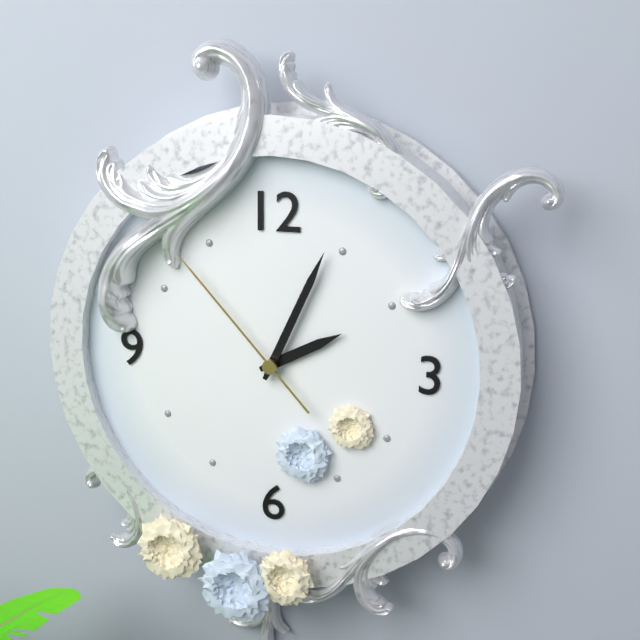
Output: 2h04m53s
